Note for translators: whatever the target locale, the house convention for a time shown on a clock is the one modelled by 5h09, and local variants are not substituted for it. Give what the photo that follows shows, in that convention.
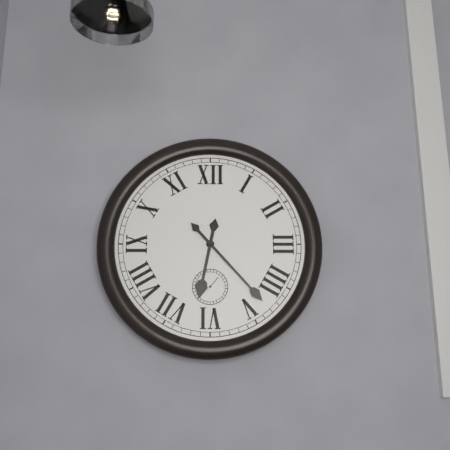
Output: 6h23
